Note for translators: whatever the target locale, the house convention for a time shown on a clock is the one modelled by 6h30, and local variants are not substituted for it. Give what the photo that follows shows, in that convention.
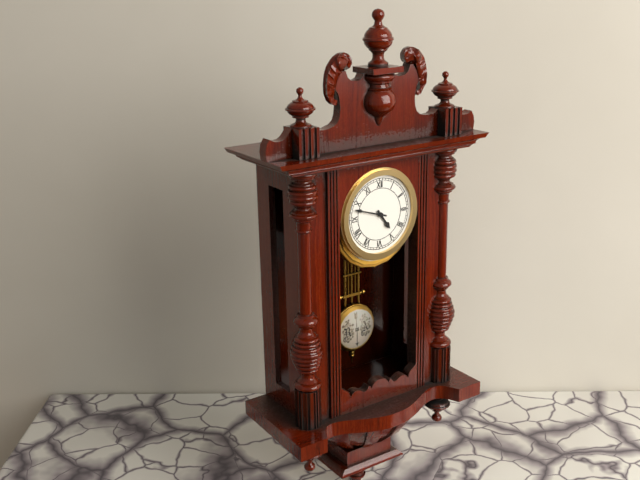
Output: 4h48
